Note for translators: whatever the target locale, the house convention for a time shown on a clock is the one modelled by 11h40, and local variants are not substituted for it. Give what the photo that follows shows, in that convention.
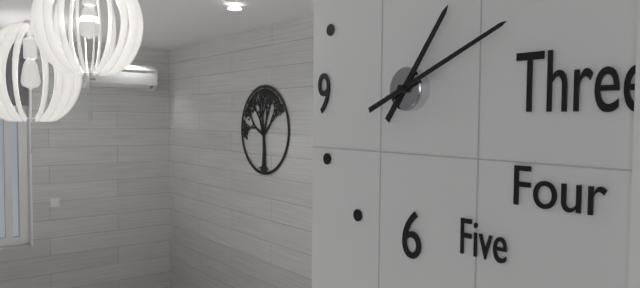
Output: 1h11
